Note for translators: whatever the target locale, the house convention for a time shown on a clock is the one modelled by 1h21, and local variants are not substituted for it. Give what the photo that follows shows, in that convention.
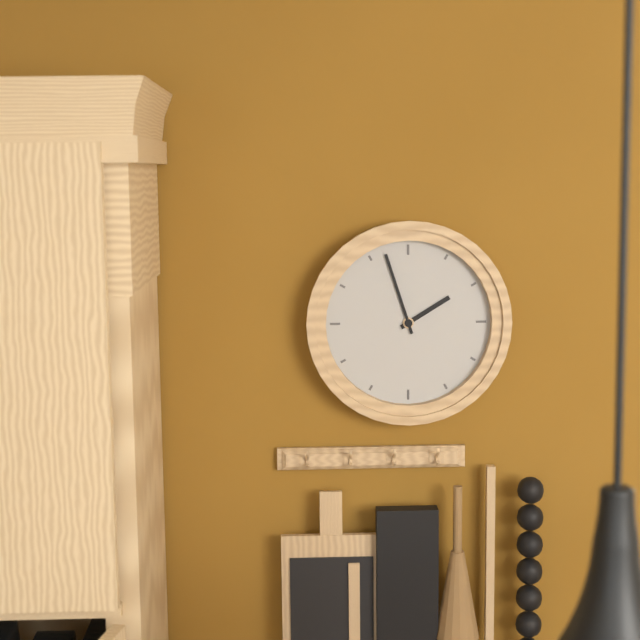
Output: 1h57
